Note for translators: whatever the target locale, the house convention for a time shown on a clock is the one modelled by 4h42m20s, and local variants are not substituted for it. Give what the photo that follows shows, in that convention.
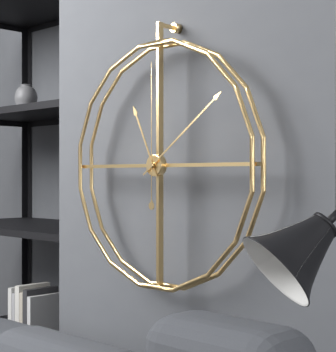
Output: 11h09m00s
